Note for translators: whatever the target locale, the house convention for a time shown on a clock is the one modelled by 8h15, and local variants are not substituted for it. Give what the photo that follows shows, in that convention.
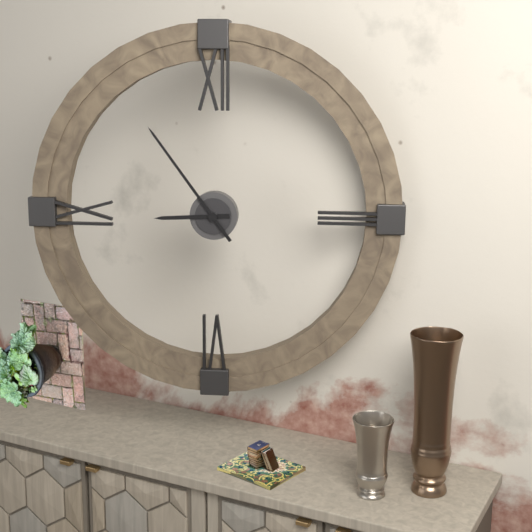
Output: 8h54
